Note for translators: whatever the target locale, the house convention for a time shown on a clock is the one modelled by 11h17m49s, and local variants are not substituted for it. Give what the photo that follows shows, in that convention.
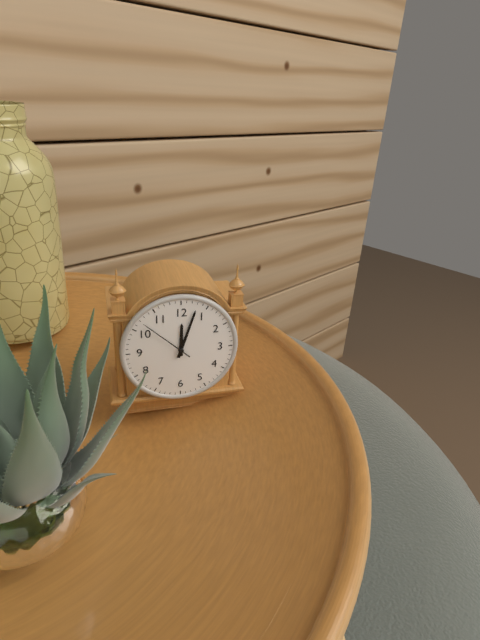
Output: 12h03m52s
